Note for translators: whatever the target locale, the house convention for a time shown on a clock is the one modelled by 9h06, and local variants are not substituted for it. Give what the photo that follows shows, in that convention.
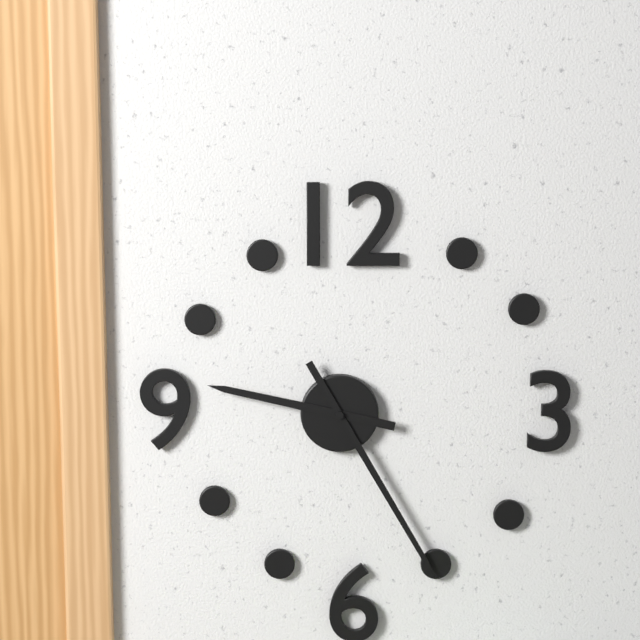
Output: 9h25
